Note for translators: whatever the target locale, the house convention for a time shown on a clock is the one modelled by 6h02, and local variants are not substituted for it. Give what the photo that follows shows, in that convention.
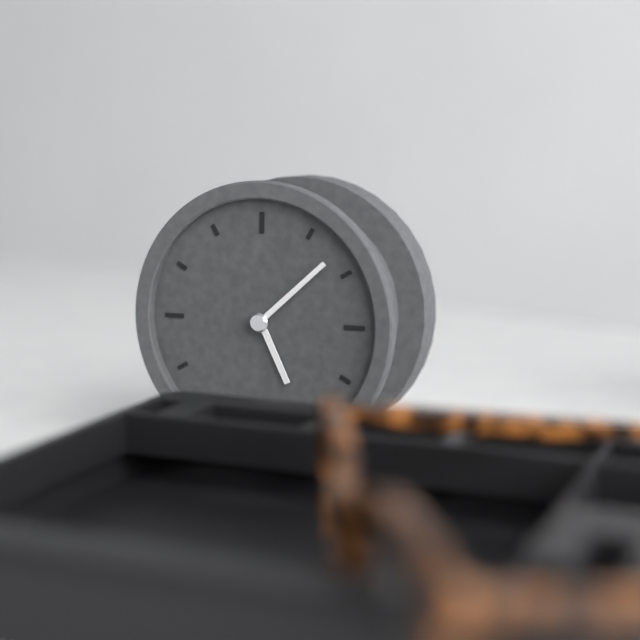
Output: 5h08
